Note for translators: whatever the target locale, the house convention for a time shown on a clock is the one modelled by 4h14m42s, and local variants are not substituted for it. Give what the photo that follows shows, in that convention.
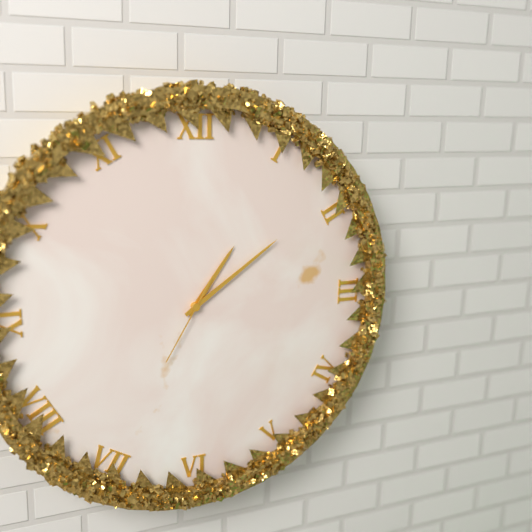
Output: 1h09m35s
